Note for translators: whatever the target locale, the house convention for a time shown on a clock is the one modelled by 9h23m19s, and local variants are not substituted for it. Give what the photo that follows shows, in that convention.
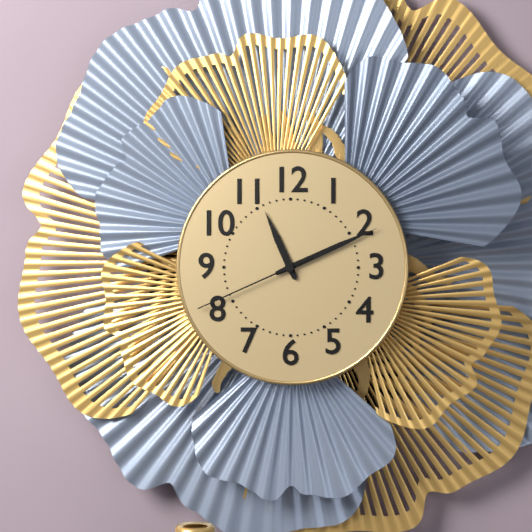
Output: 11h11m41s
